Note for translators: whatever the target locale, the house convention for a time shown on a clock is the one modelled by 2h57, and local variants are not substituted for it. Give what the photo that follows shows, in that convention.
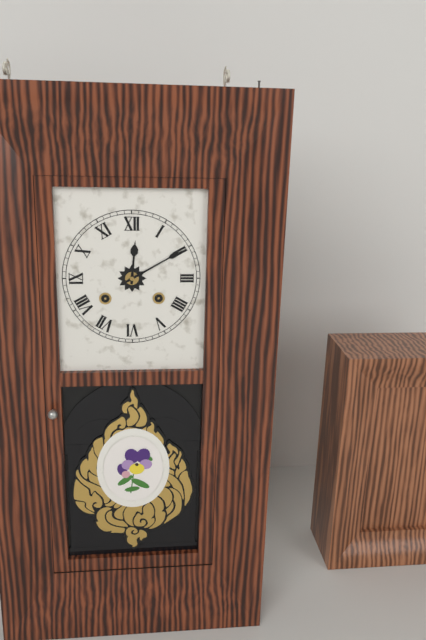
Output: 12h10
